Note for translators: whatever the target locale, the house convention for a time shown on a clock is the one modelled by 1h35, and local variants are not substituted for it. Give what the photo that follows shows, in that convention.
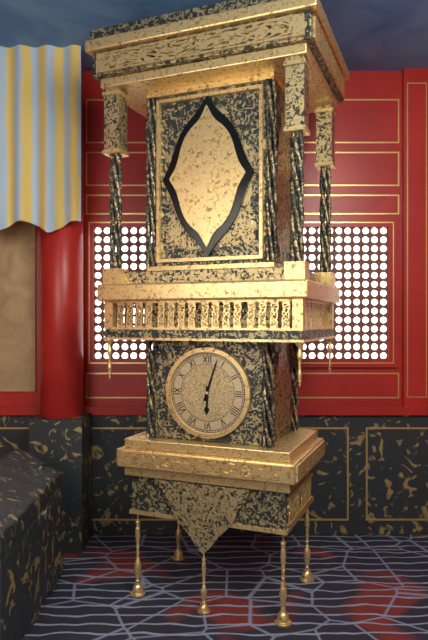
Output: 6h03
